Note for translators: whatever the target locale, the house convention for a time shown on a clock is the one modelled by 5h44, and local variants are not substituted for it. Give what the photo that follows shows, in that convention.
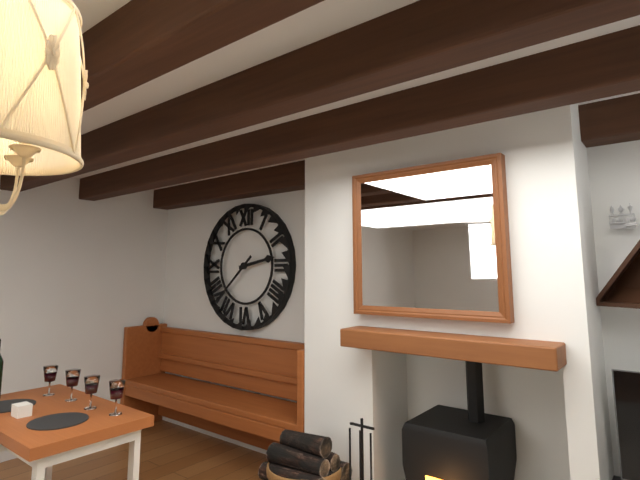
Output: 2h38
